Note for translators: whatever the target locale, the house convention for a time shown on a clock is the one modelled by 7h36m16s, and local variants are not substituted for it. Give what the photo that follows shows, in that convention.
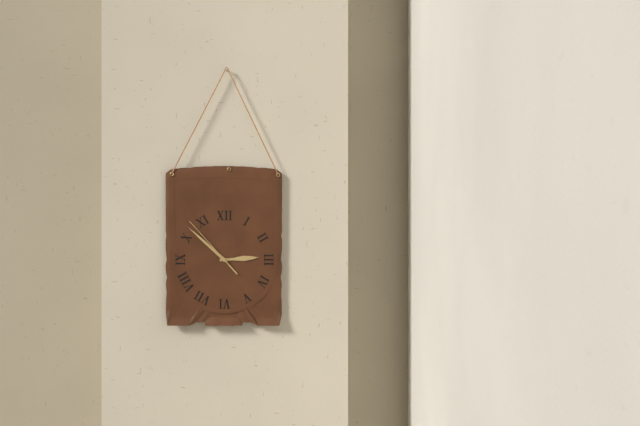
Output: 2h52m53s
